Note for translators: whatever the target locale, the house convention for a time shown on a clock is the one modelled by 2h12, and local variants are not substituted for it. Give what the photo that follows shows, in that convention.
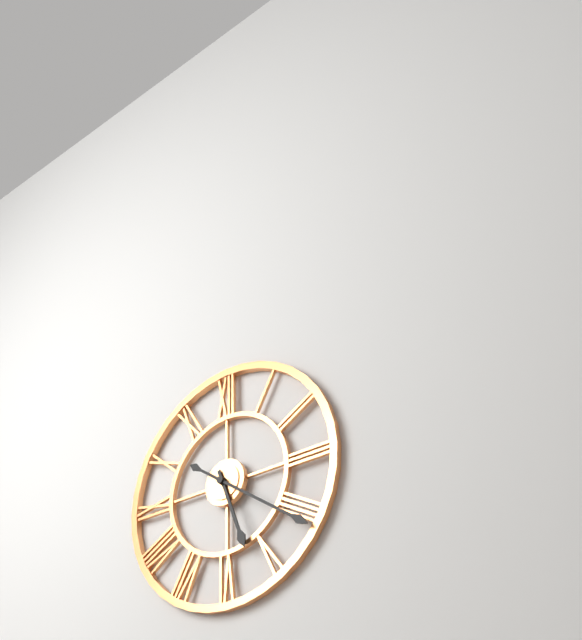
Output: 5h21
